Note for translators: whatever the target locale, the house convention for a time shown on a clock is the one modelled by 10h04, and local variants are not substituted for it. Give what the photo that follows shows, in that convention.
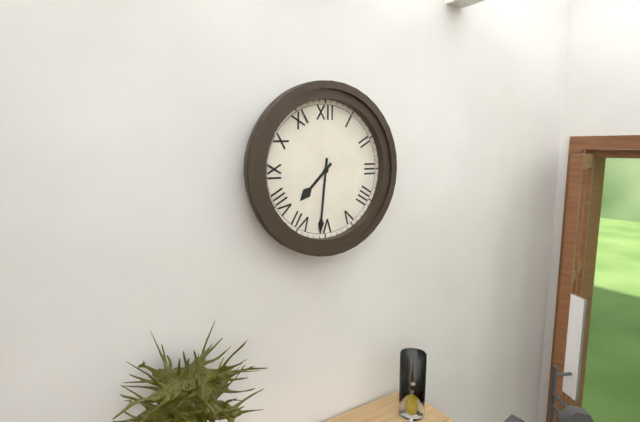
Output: 7h31
